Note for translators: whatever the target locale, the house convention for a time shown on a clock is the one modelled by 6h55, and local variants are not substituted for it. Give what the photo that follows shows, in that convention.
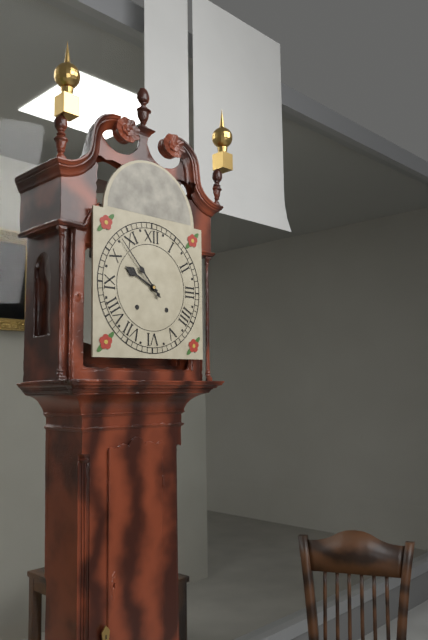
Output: 9h53
